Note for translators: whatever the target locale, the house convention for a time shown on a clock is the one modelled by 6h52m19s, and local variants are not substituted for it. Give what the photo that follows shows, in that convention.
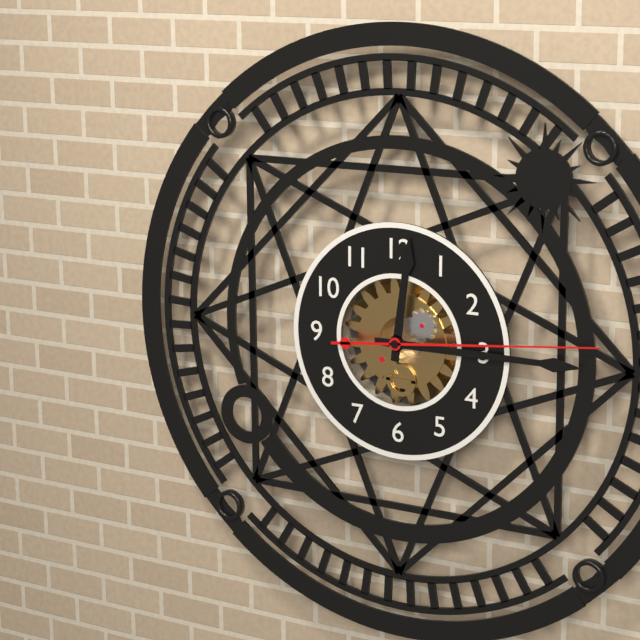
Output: 12h15m14s
